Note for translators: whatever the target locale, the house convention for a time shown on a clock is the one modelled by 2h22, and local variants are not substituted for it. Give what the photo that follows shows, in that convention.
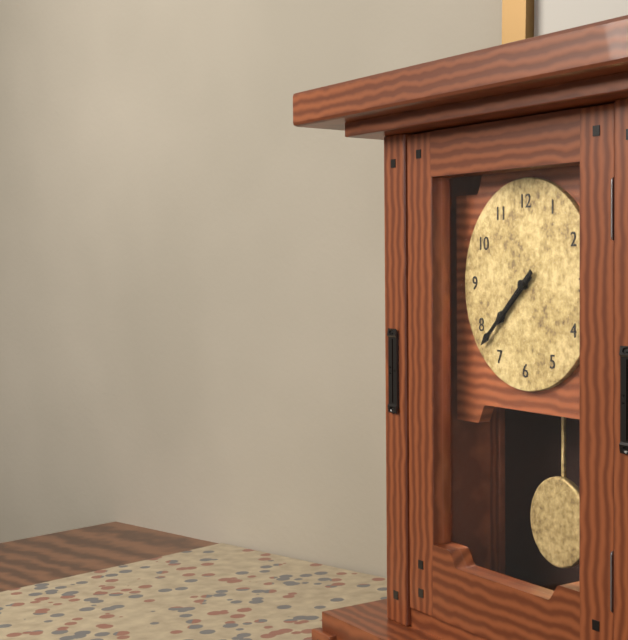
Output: 7h38
